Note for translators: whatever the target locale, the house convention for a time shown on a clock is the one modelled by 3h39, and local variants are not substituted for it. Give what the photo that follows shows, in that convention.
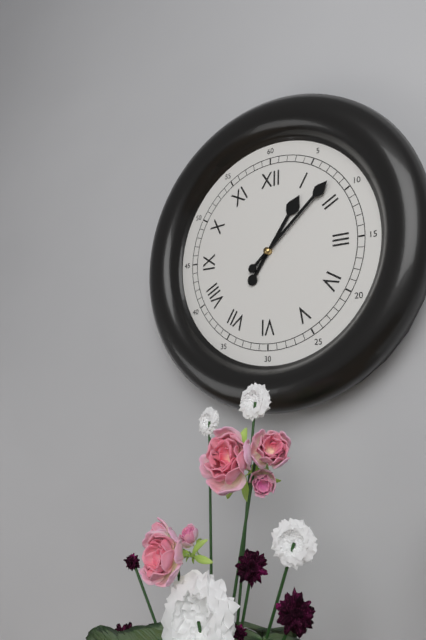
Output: 1h08
